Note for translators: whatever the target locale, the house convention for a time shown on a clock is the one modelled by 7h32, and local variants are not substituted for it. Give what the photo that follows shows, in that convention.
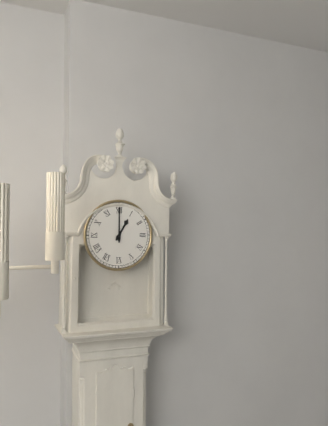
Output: 1h00
